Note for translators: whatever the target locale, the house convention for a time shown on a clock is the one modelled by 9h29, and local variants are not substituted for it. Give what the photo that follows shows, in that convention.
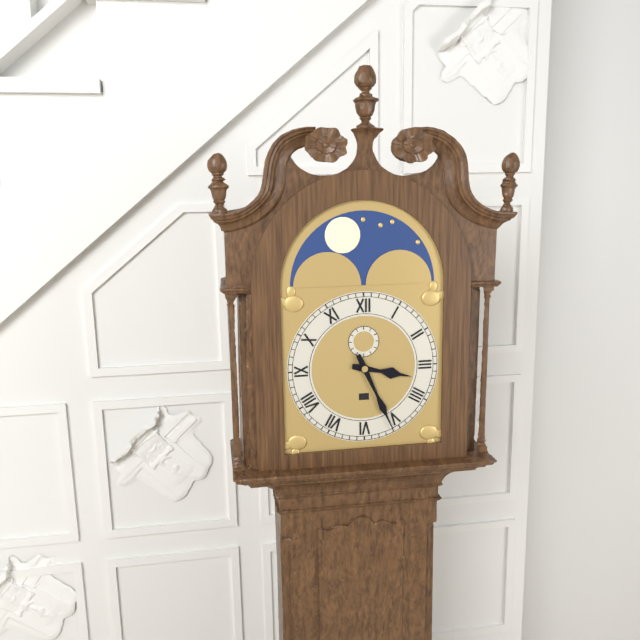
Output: 3h26
